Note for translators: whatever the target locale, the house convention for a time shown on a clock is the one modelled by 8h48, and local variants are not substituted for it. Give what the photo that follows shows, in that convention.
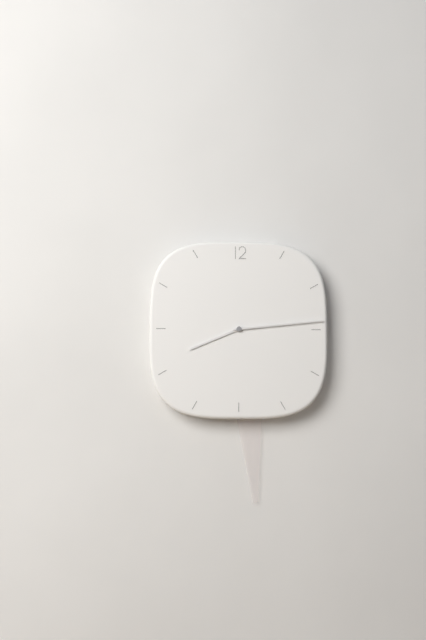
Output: 8h14
